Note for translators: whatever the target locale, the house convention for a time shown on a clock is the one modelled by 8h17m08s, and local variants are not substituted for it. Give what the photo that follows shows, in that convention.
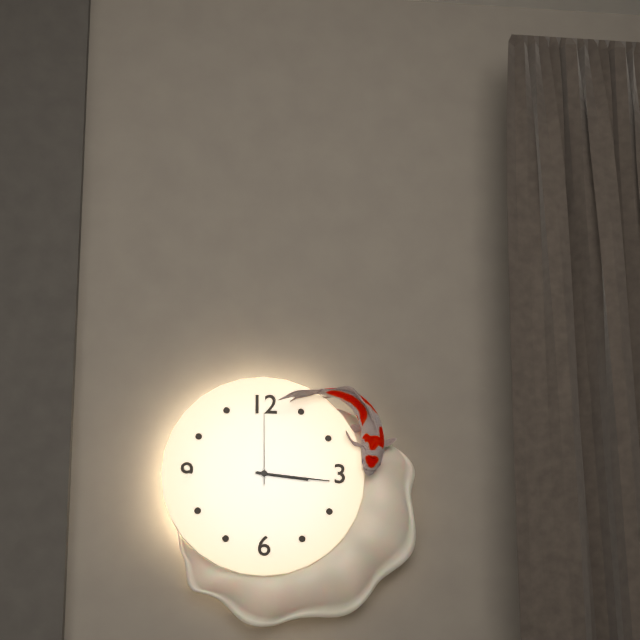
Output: 3h16m00s
